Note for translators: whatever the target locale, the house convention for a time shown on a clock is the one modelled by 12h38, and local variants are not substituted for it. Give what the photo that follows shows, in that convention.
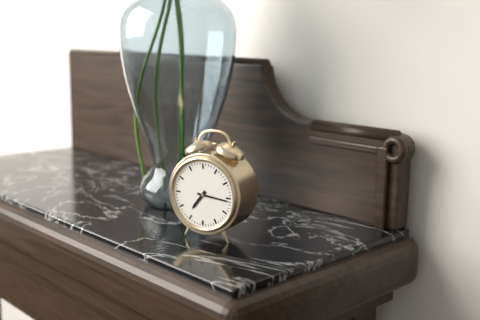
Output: 7h16
